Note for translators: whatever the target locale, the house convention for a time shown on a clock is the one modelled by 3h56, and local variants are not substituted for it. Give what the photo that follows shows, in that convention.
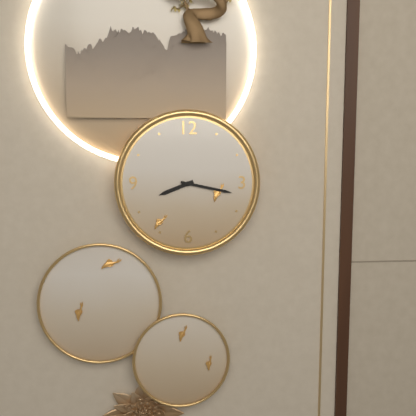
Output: 8h17
